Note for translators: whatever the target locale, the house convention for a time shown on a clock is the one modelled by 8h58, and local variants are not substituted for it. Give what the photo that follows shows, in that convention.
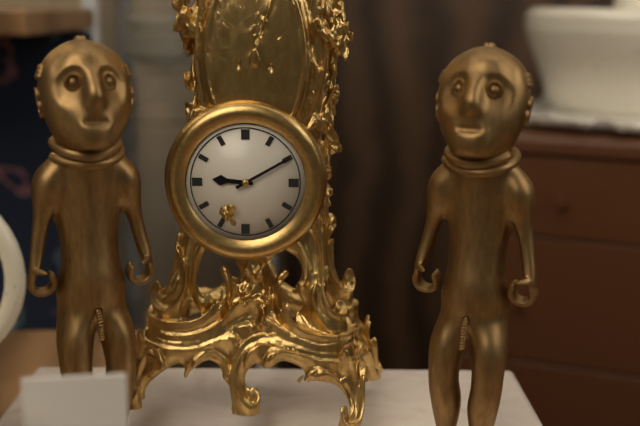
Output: 9h10
